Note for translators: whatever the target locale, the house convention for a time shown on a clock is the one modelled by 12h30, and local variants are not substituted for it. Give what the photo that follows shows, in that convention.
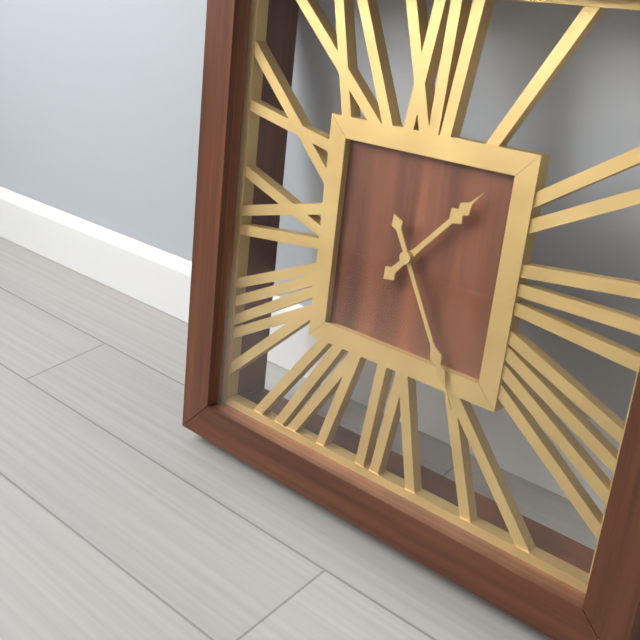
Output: 1h25
